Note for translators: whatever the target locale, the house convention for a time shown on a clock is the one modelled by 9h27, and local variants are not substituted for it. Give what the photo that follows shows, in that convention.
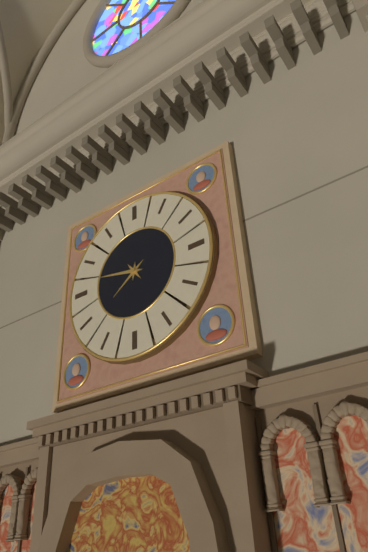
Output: 7h47
